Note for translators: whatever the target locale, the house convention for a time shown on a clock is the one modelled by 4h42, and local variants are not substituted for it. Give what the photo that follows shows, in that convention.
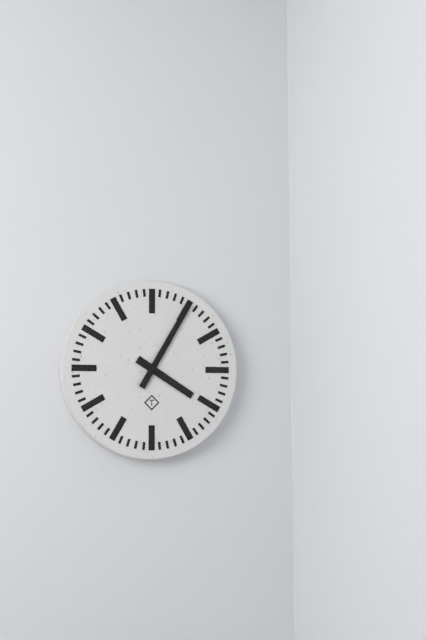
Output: 4h05
